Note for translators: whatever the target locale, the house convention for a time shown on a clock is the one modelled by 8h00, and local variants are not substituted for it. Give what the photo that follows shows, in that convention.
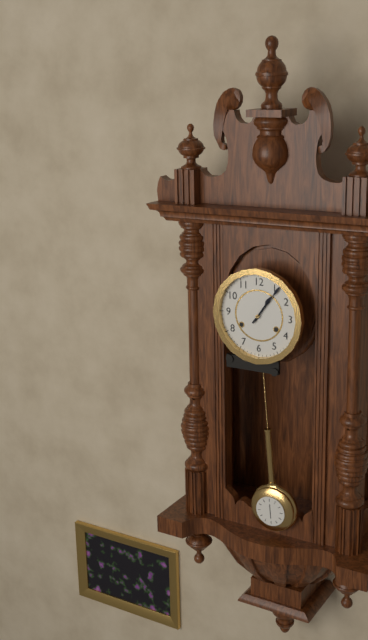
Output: 1h06
